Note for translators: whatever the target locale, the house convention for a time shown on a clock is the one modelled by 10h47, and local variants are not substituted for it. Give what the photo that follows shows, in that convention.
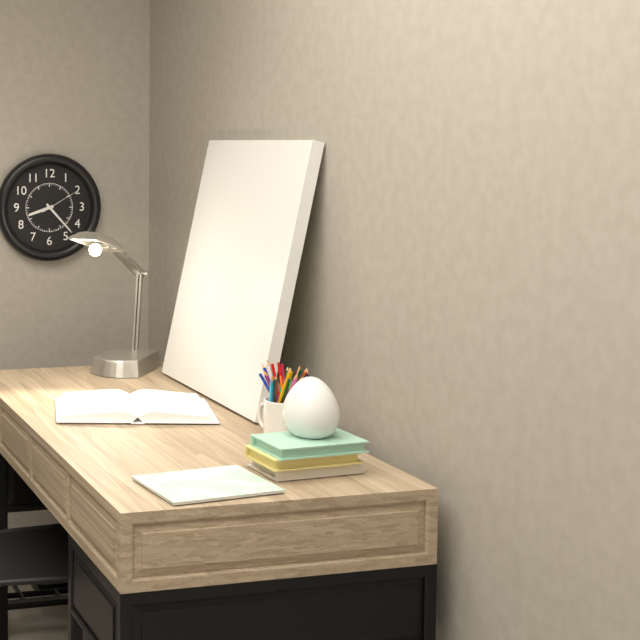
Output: 8h23
